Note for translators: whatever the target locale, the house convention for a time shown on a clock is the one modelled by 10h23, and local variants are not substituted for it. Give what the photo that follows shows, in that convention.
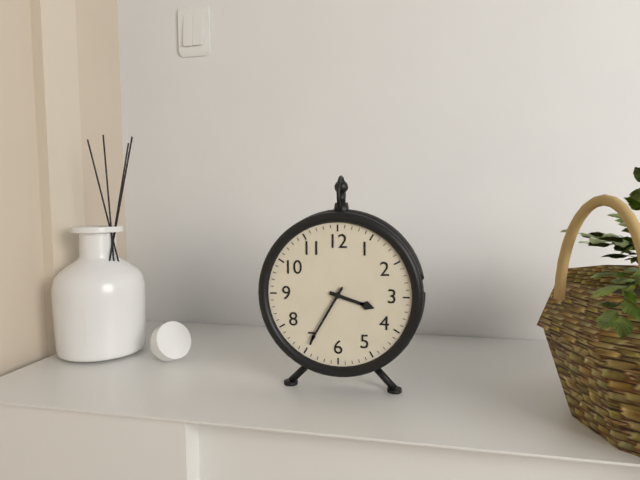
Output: 3h35
